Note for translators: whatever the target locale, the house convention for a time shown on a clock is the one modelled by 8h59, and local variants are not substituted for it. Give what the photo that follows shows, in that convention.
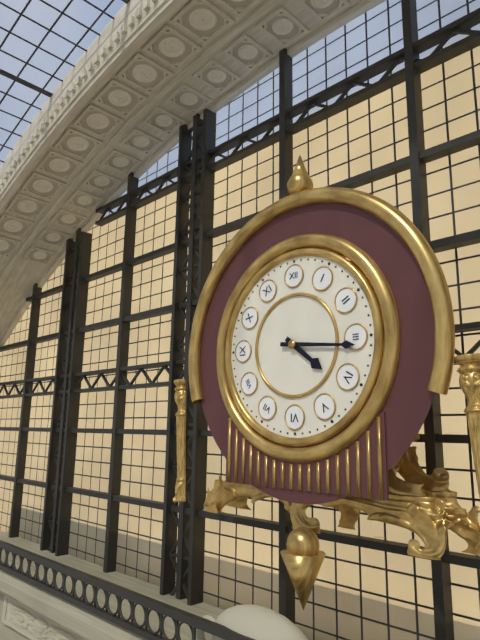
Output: 4h16
